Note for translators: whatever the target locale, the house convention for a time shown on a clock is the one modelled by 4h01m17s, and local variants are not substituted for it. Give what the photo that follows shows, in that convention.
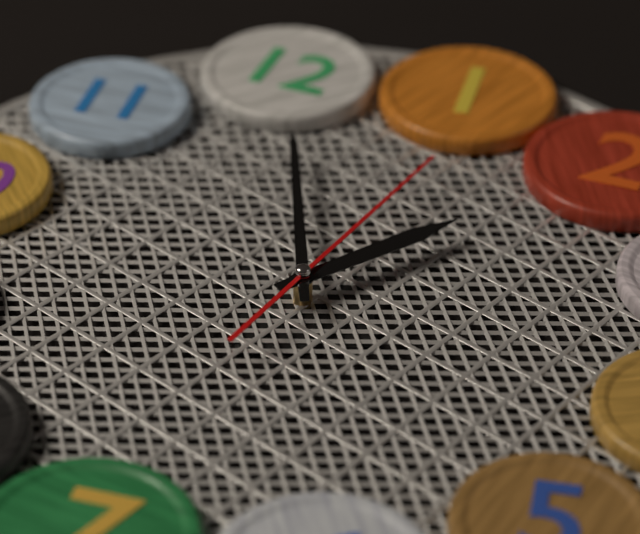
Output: 2h00m06s
